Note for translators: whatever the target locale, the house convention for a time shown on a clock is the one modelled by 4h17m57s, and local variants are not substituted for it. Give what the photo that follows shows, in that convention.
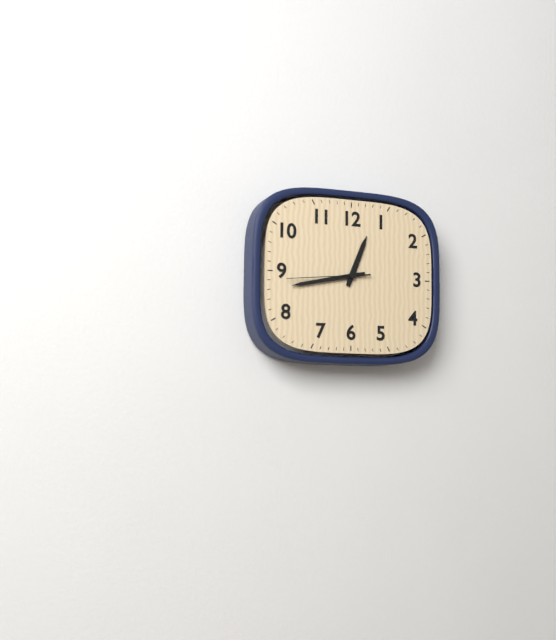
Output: 12h43m44s
